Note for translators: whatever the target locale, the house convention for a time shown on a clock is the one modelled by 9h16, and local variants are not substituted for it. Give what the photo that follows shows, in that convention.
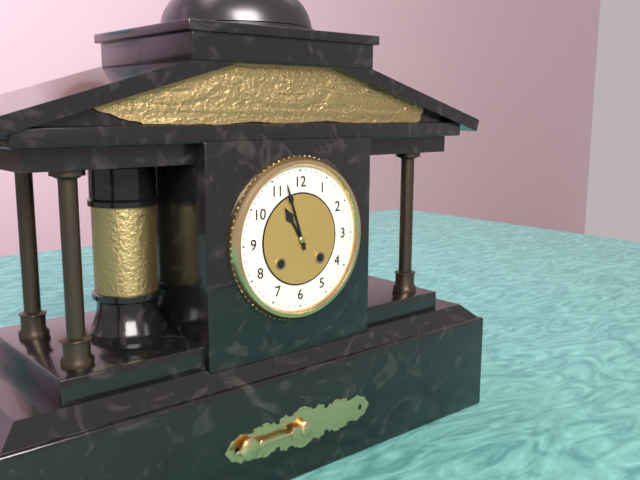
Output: 10h57
